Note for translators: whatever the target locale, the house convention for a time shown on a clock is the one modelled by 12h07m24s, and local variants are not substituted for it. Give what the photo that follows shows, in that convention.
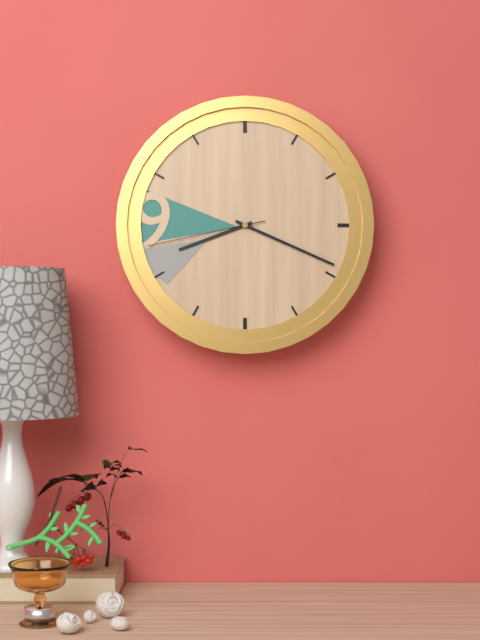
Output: 8h19m43s
